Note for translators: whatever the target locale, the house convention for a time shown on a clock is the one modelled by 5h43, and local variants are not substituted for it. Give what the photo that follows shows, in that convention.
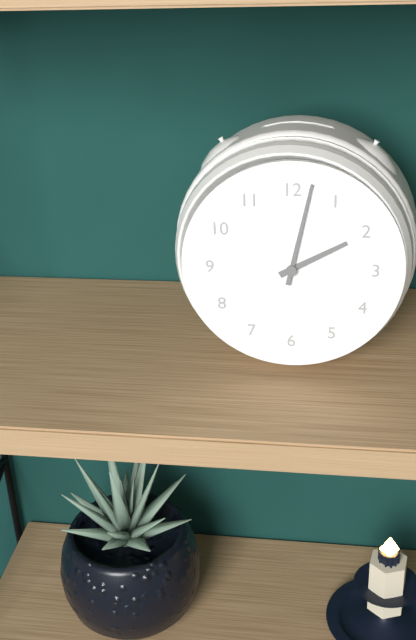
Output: 2h02
